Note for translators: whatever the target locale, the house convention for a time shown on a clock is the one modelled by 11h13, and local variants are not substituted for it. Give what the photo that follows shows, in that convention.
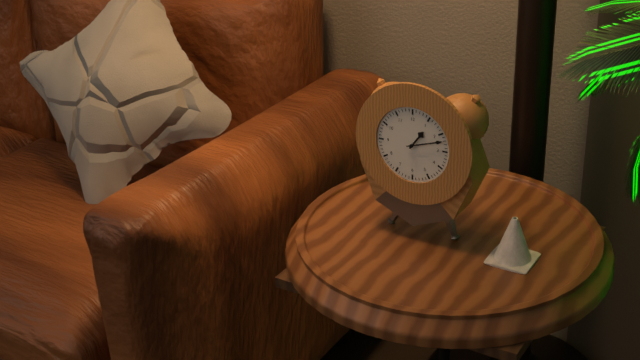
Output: 1h12
